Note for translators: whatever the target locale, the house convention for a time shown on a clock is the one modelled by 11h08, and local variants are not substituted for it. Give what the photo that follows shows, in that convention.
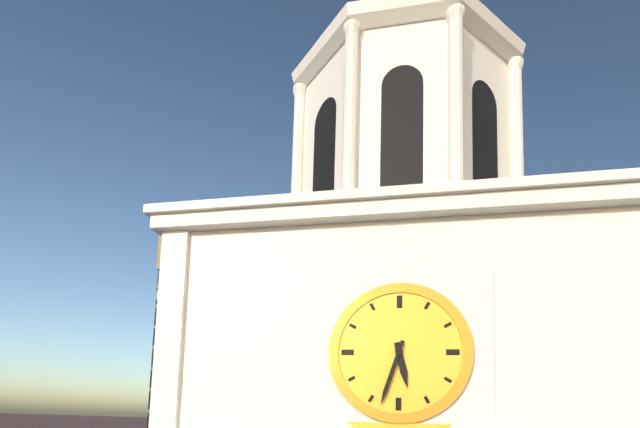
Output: 5h33
